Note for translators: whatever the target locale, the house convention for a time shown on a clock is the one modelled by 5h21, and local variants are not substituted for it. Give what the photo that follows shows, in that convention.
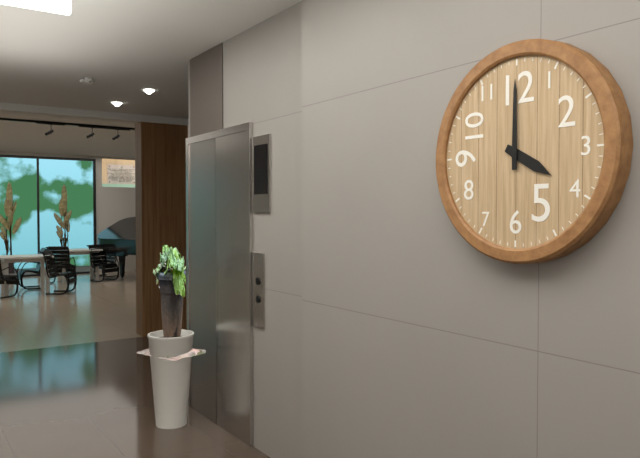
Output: 4h00
